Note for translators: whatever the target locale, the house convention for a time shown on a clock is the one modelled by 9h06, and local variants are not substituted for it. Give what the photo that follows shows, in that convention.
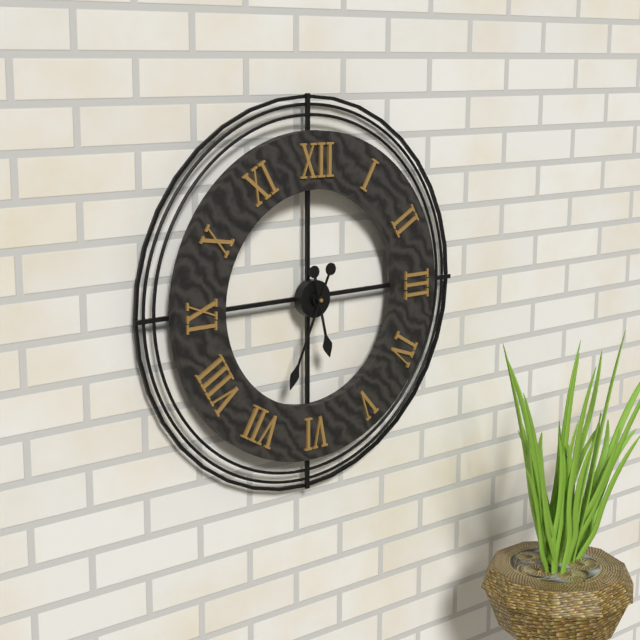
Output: 5h34
